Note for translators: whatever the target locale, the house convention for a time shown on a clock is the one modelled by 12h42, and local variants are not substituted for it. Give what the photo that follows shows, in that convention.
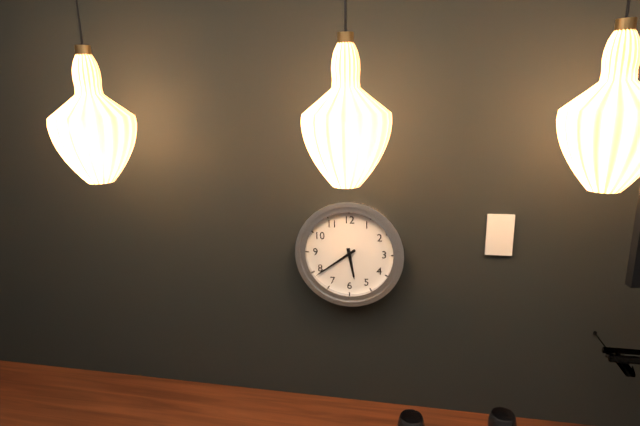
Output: 5h39
